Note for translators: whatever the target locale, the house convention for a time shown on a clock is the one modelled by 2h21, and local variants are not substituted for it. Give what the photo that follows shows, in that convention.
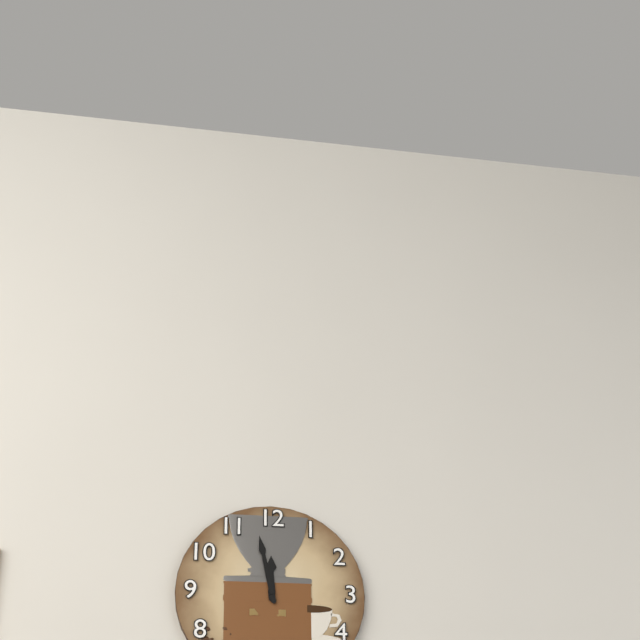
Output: 11h58
